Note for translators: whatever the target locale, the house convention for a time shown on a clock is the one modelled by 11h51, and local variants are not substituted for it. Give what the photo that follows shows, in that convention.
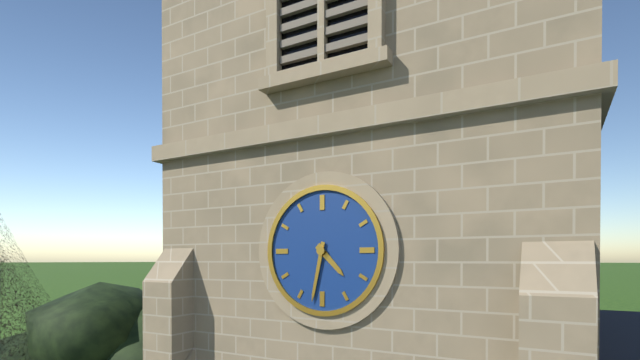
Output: 4h32
